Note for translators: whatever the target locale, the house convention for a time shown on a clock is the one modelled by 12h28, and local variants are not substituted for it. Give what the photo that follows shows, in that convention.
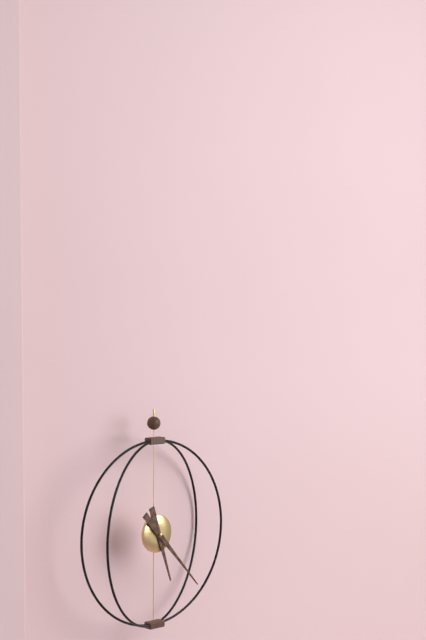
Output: 5h23
